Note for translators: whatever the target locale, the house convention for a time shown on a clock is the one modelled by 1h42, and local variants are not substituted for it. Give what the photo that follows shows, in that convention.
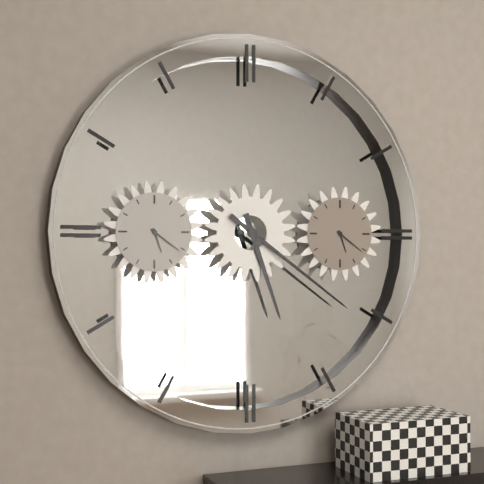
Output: 5h21
